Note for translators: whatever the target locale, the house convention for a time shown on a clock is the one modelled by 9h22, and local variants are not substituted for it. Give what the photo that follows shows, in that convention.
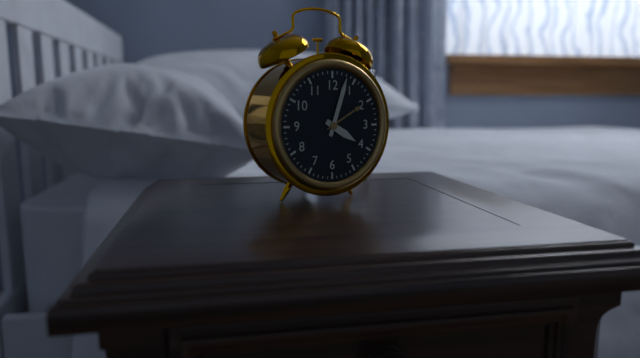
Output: 4h03
